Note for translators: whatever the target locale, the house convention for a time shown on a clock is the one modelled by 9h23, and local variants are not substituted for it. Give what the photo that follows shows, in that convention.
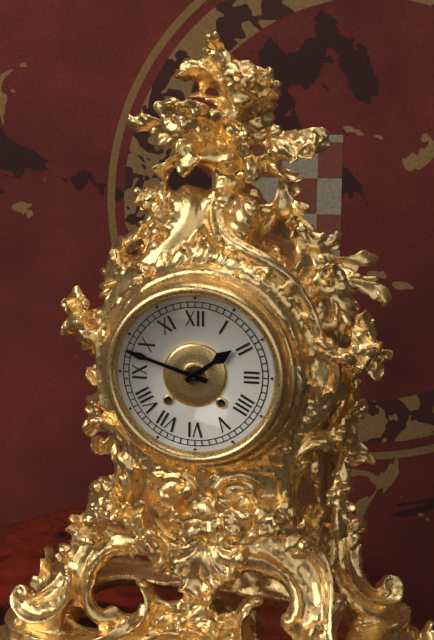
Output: 1h48
